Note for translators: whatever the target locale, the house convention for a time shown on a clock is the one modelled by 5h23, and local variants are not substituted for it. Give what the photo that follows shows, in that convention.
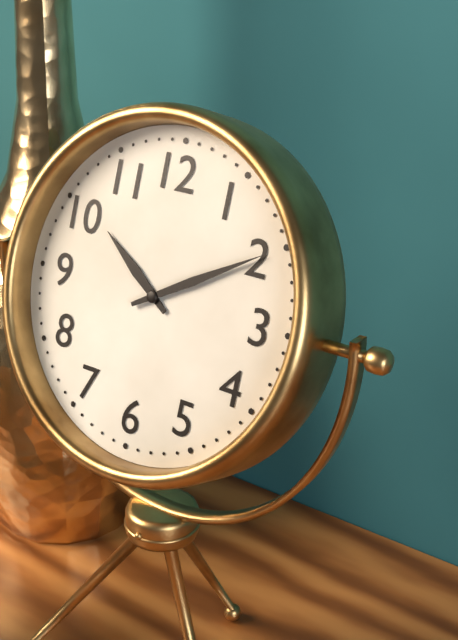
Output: 10h10
